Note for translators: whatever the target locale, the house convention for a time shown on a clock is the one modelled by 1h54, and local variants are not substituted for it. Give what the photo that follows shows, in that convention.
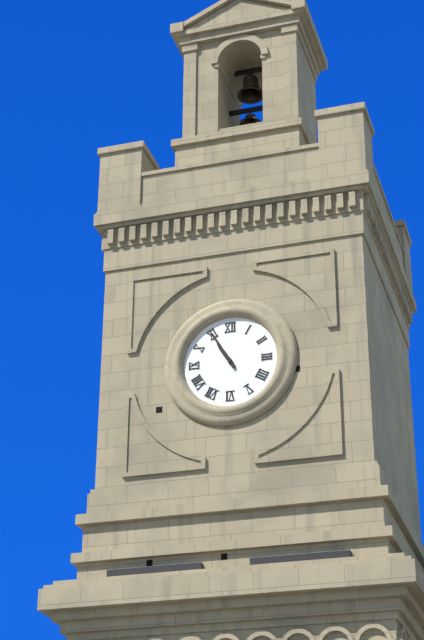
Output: 10h55
